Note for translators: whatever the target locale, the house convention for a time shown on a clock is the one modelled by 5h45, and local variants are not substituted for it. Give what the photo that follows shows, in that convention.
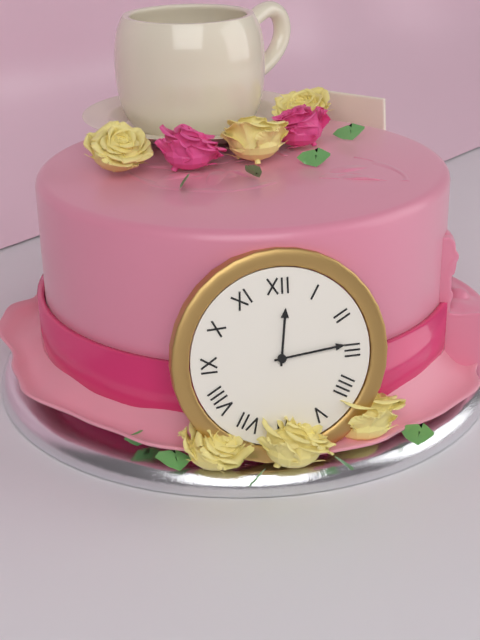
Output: 12h14
